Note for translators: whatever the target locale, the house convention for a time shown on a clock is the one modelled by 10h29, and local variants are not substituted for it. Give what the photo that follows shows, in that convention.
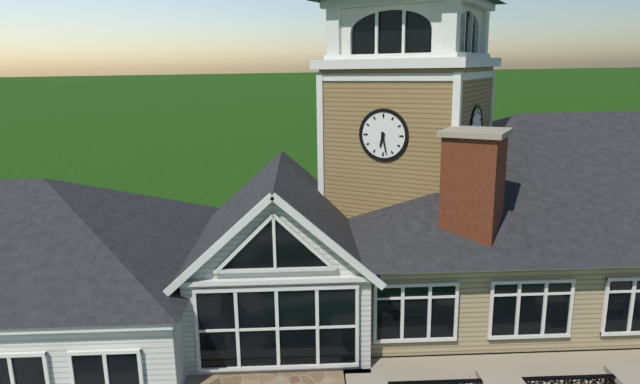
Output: 6h28
